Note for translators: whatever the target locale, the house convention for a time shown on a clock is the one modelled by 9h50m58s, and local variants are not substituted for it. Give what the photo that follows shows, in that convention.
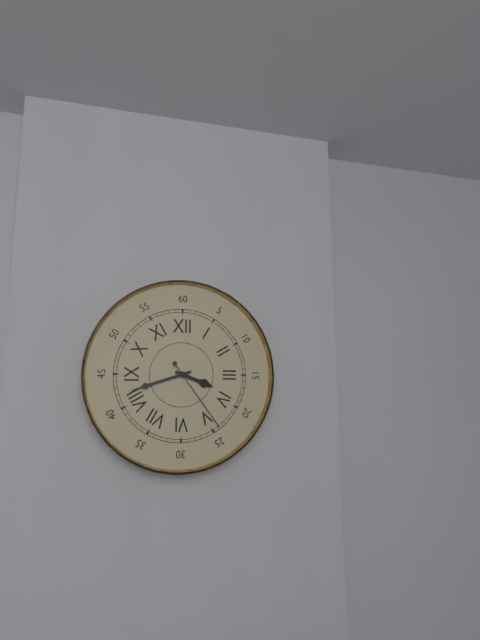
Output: 3h42m24s
